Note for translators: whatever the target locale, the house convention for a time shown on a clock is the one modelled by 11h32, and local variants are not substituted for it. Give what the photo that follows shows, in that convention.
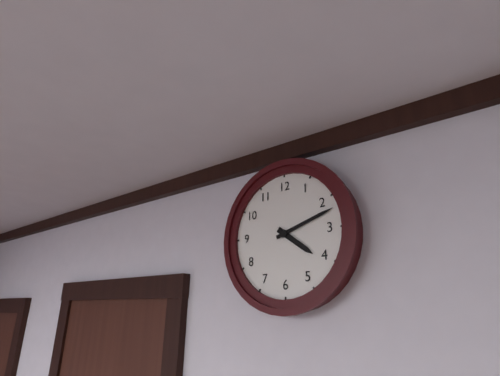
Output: 4h12
